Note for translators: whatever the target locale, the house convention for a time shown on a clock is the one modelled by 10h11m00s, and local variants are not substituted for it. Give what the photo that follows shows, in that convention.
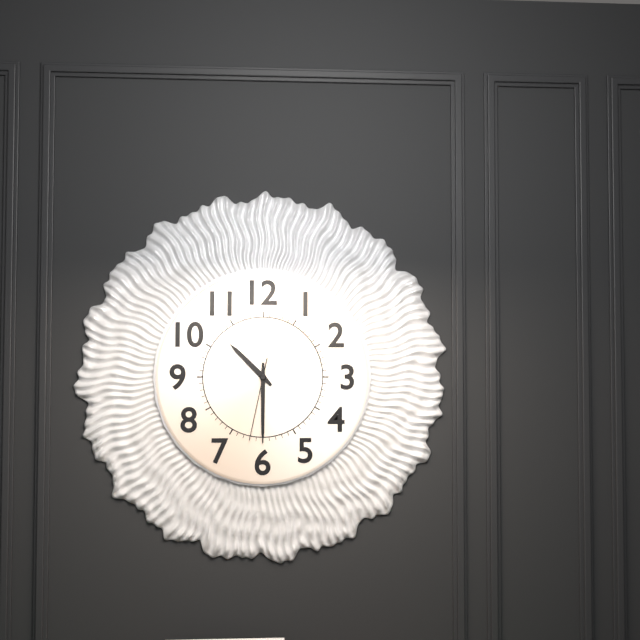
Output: 10h30m32s
